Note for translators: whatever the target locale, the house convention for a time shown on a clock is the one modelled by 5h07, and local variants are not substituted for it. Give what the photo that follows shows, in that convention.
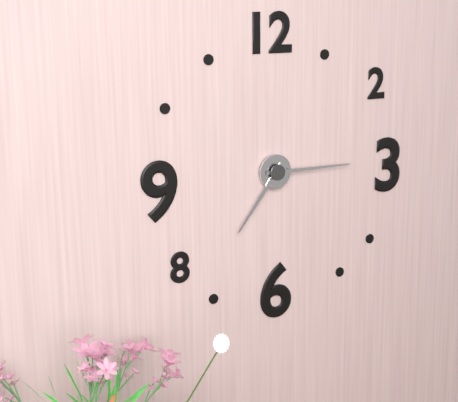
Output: 7h15
